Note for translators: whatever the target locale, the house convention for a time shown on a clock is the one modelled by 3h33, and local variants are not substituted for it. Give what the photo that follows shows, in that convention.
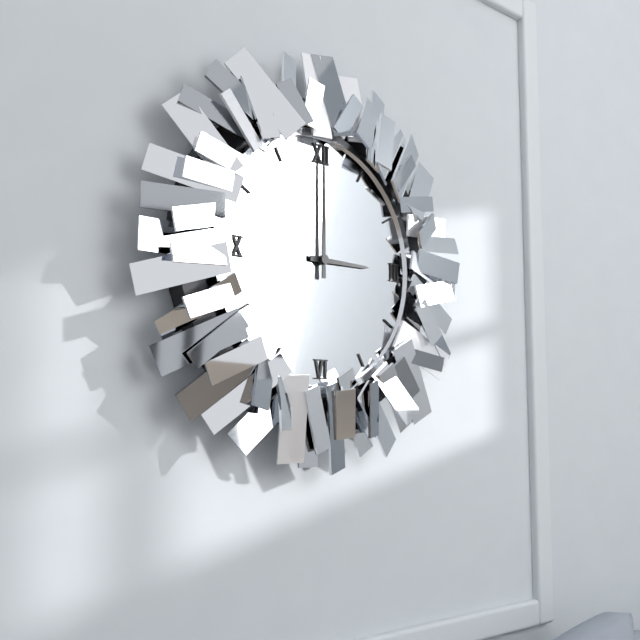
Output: 3h00
